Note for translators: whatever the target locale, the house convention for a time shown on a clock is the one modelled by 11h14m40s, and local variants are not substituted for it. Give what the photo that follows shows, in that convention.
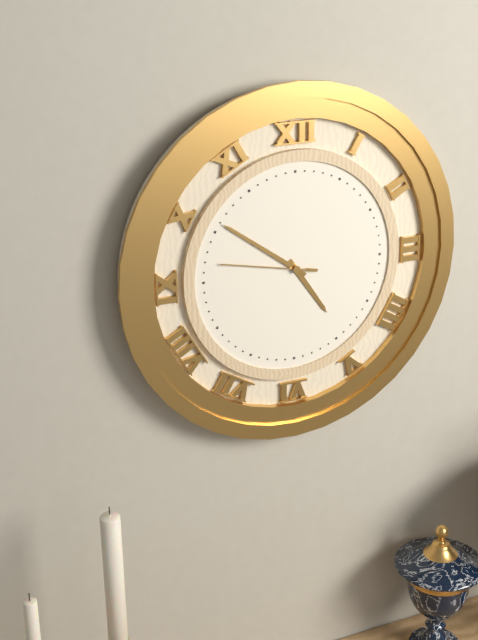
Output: 4h51m47s
